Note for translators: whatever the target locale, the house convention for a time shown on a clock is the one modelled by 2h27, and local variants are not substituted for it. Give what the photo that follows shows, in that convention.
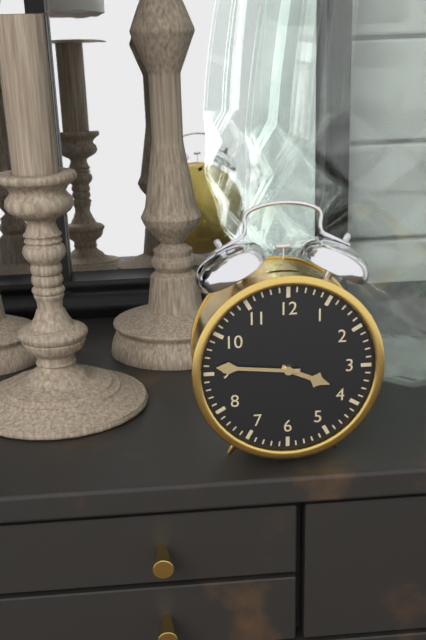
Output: 3h46
